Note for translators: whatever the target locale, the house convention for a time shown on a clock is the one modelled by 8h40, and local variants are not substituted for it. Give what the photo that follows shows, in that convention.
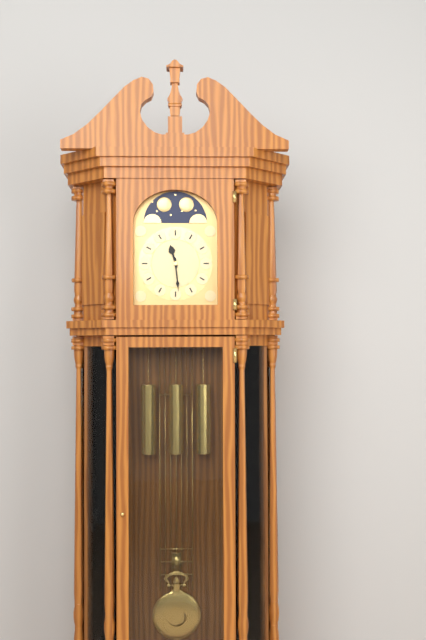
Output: 11h29
